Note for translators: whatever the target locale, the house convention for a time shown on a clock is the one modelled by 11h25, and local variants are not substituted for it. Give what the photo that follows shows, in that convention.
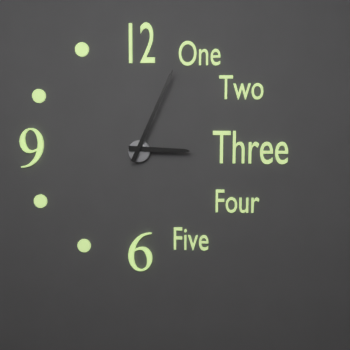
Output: 3h04
